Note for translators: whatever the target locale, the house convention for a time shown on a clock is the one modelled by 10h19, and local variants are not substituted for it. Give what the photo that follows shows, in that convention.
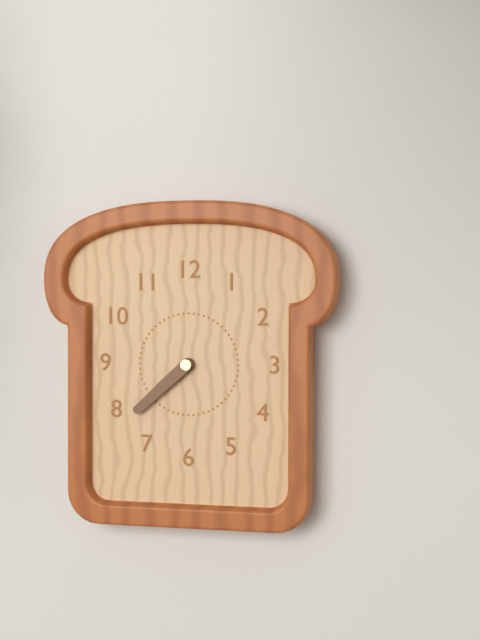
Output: 7h38
